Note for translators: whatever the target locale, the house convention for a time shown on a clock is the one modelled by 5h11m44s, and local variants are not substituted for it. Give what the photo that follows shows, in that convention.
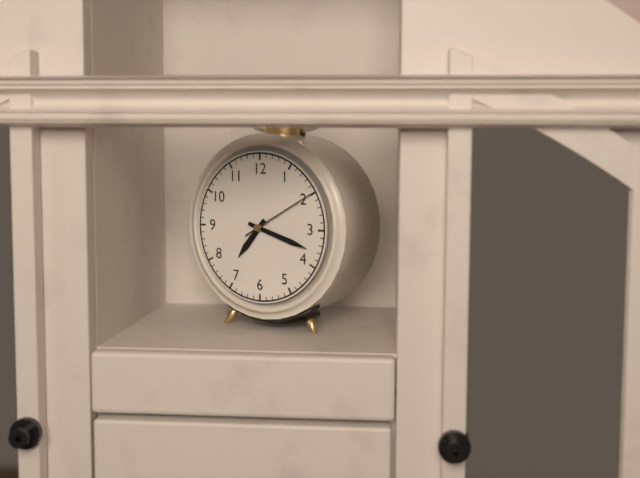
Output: 7h18m10s
